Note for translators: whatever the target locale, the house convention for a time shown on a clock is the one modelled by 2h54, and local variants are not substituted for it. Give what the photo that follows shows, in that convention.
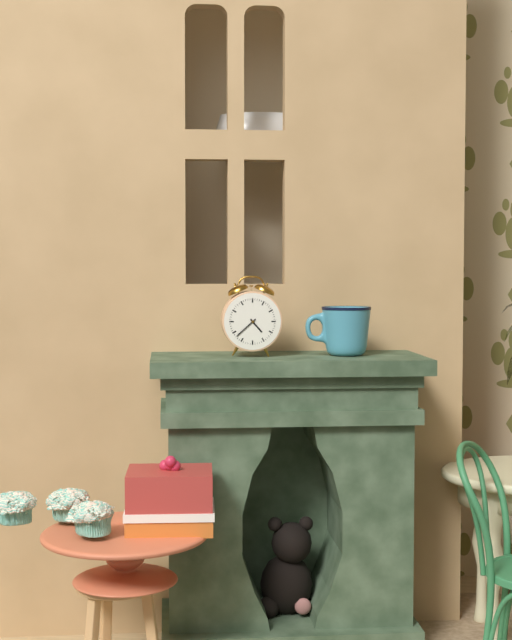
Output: 4h38
